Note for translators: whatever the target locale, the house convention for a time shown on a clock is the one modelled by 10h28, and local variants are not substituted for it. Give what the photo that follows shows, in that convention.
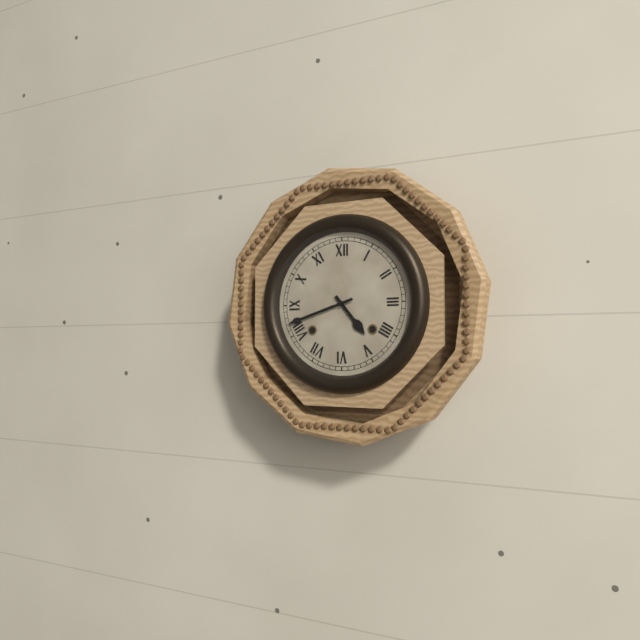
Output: 4h42
